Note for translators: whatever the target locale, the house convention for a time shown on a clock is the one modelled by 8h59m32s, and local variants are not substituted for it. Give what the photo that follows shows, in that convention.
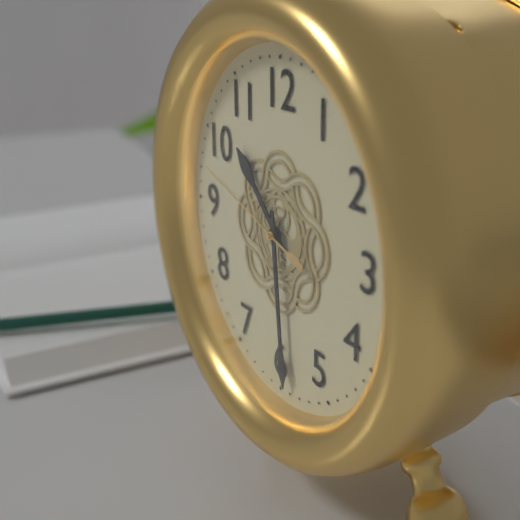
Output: 10h29m48s
